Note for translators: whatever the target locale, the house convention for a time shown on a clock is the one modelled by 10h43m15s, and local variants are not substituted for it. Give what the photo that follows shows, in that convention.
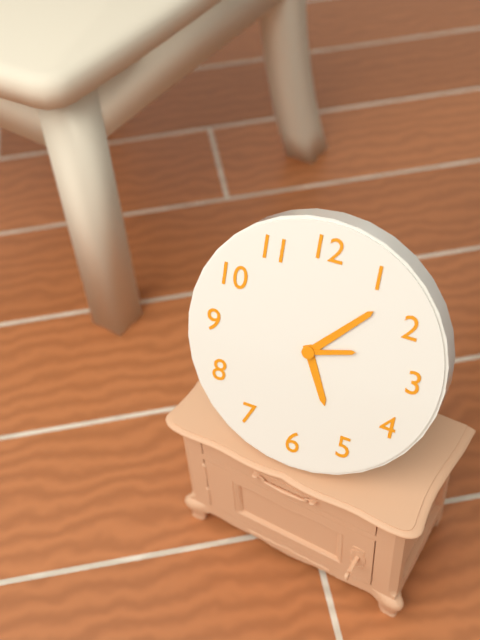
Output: 5h07m12s
